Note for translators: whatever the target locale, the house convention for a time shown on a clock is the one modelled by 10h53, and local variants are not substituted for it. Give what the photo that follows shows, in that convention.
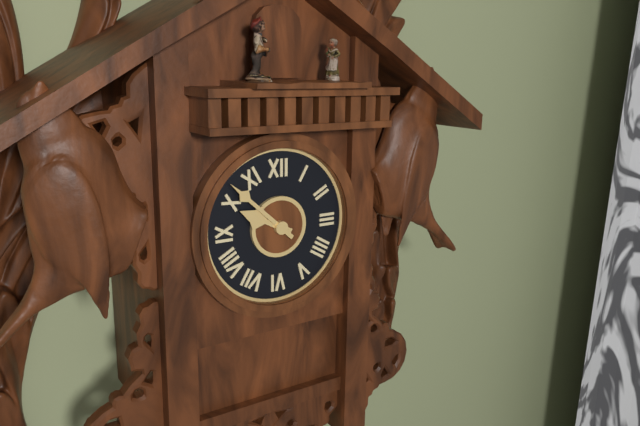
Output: 9h52
